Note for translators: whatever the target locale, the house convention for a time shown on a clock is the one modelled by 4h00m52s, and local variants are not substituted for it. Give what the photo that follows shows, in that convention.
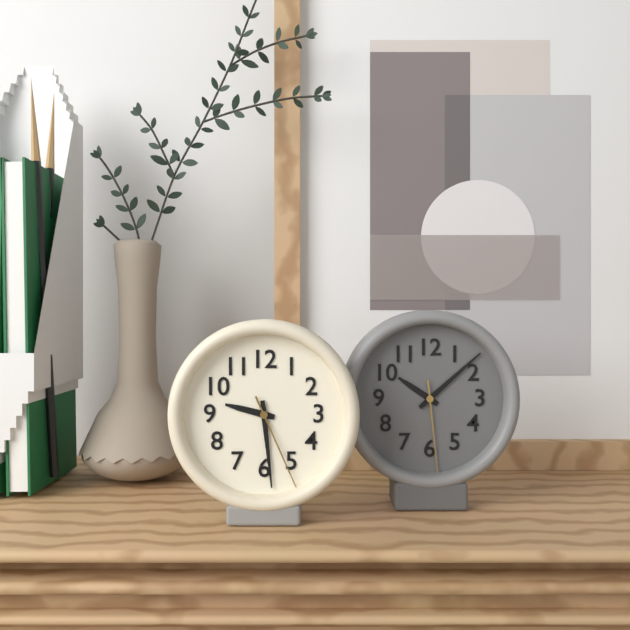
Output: 9h29m26s
